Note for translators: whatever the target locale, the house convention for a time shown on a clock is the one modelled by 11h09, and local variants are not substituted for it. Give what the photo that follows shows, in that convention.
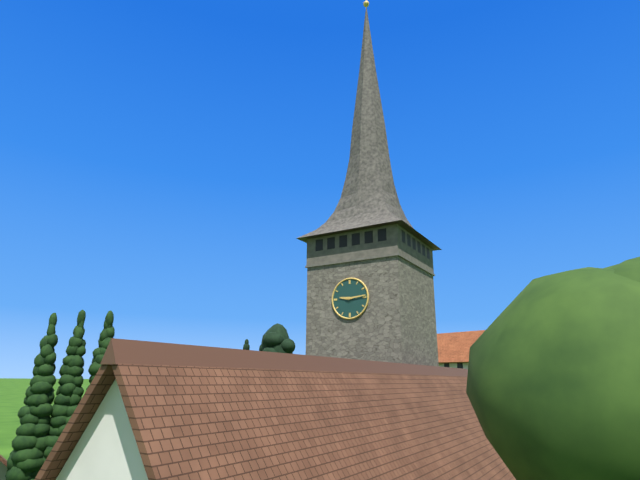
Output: 9h14
